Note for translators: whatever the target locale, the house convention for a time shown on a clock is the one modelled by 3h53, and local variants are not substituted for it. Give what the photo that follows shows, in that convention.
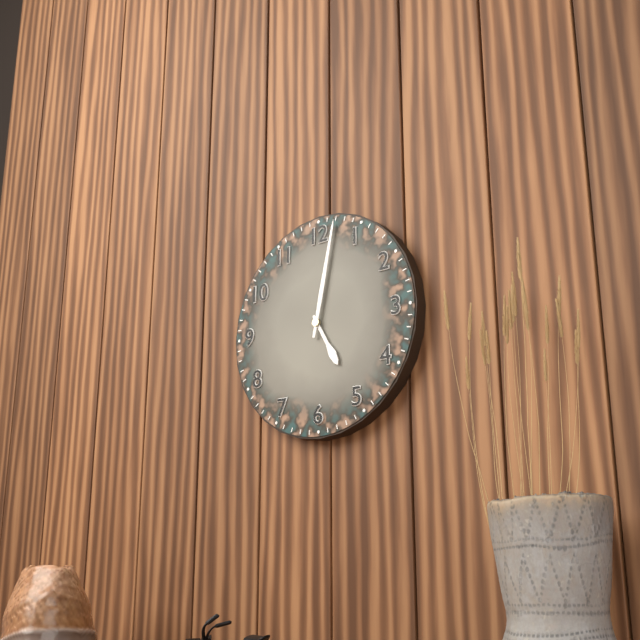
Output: 5h02
